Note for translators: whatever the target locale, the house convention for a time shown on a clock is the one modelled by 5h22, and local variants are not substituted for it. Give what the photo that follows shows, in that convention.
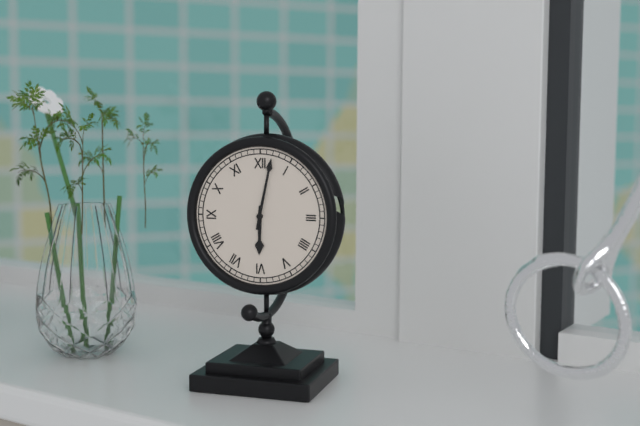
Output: 6h02
